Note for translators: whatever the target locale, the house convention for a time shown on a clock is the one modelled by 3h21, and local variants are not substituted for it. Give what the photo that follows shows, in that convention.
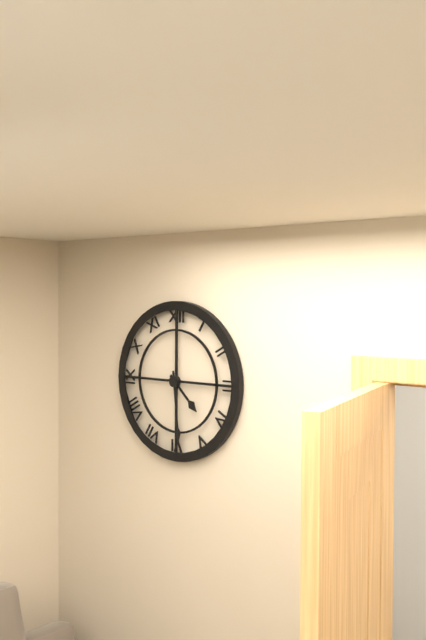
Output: 4h29
